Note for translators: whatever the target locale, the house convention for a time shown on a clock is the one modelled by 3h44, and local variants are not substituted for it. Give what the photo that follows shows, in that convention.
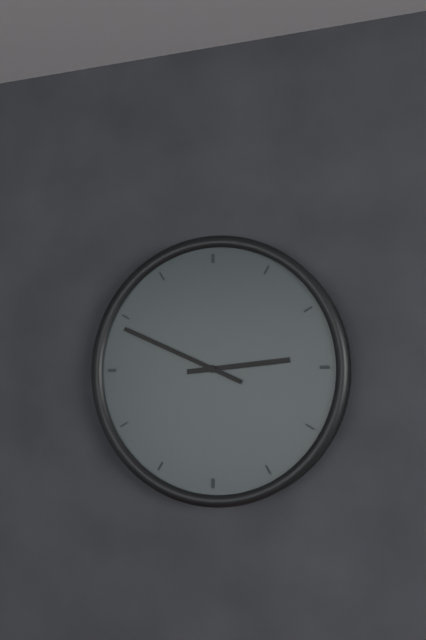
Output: 2h49
